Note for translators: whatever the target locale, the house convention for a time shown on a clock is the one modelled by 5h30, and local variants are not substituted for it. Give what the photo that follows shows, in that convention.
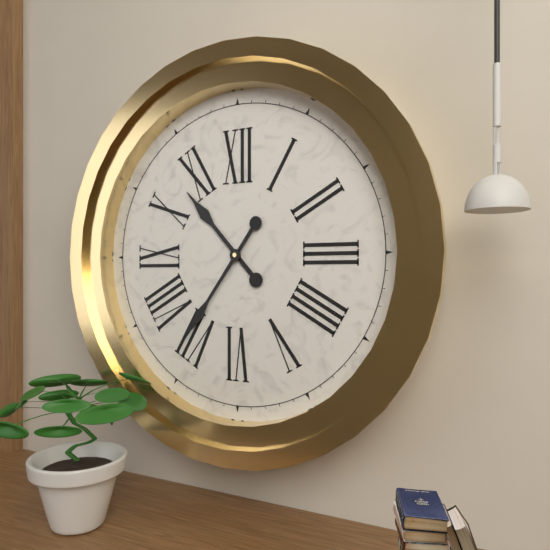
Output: 10h36
